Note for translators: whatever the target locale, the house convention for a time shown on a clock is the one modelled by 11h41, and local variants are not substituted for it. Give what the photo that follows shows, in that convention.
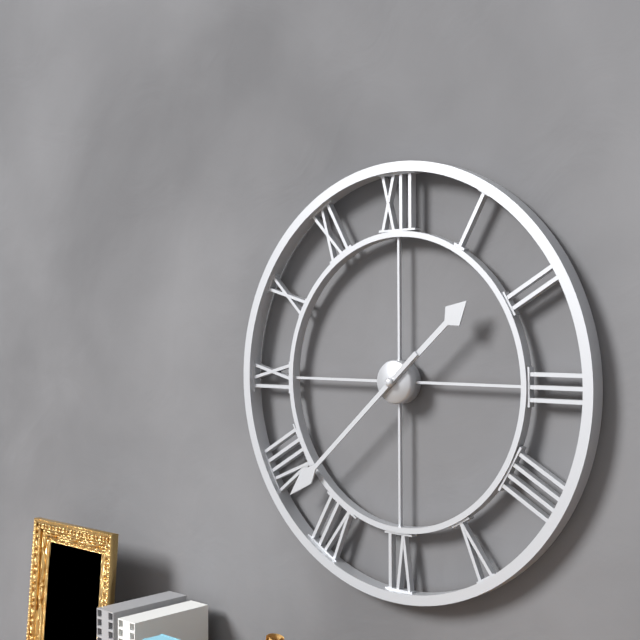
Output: 1h38
